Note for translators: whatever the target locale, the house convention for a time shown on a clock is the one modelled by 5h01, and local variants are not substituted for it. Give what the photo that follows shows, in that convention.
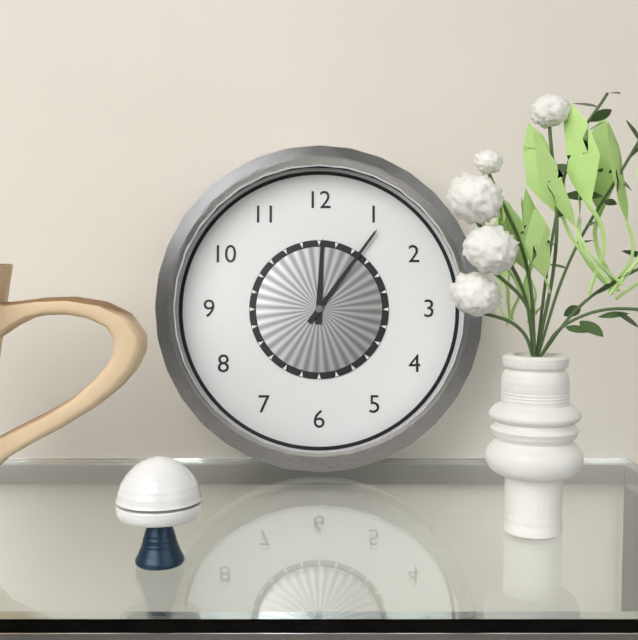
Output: 12h06
